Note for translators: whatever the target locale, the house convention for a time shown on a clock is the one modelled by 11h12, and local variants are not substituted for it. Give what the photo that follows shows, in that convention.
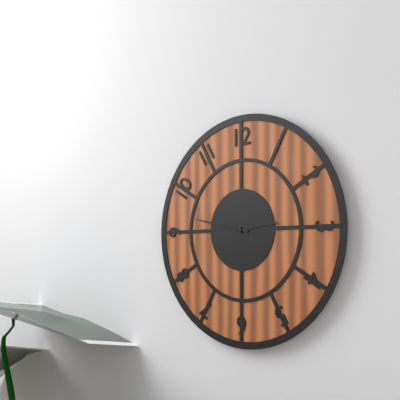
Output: 2h47
